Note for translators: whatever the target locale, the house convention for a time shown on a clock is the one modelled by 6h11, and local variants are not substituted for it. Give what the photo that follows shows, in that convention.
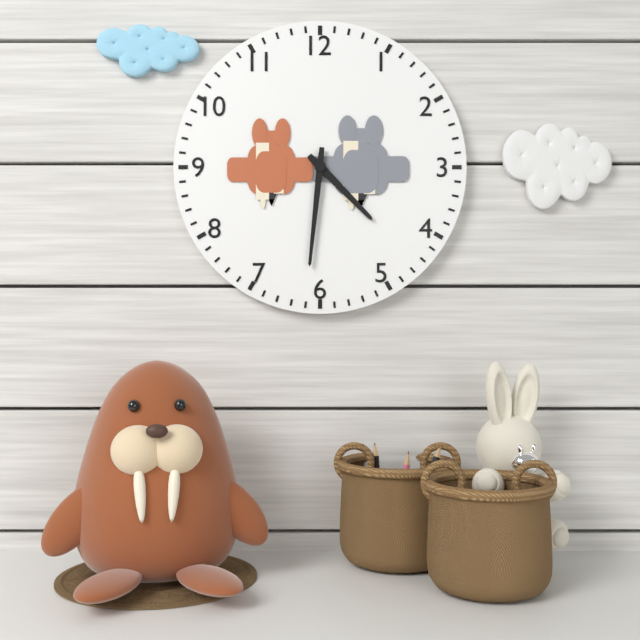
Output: 4h31
